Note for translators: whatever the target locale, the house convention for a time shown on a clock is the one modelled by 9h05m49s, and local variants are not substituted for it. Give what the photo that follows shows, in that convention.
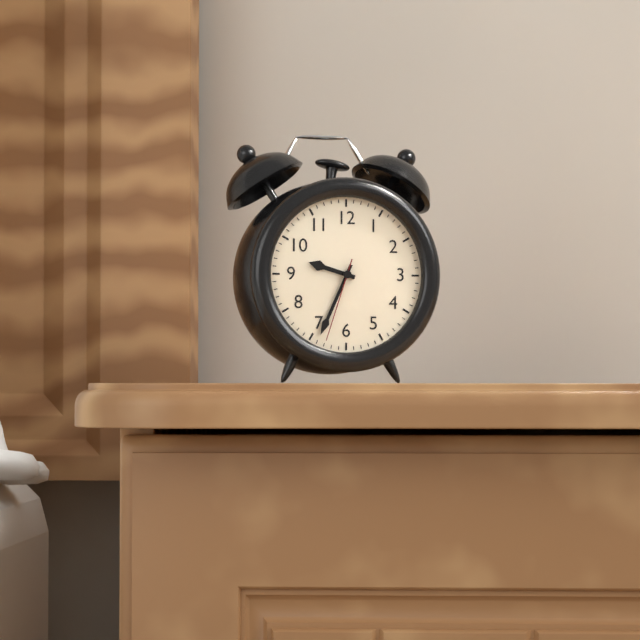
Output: 9h34m33s
